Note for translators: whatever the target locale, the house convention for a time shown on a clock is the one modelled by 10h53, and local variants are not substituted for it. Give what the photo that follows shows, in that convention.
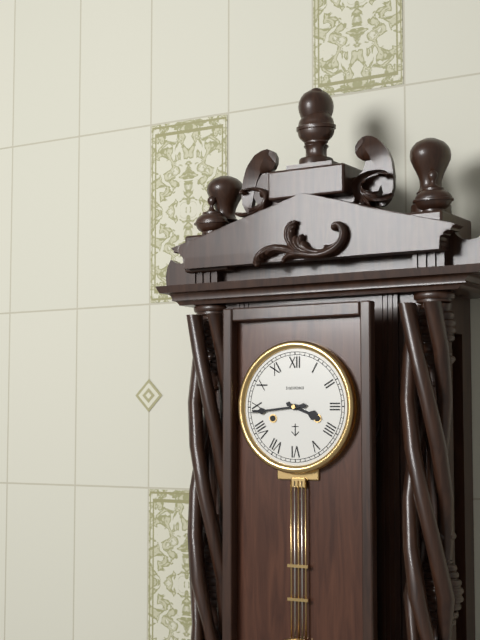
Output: 3h44
